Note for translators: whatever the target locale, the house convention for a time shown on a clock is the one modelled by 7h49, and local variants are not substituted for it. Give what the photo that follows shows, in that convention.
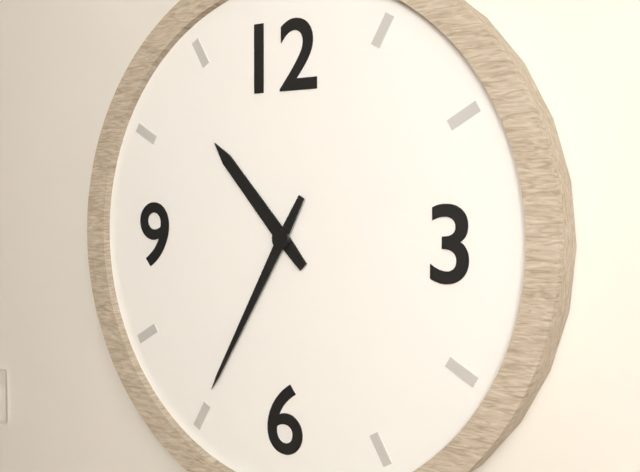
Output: 10h35
